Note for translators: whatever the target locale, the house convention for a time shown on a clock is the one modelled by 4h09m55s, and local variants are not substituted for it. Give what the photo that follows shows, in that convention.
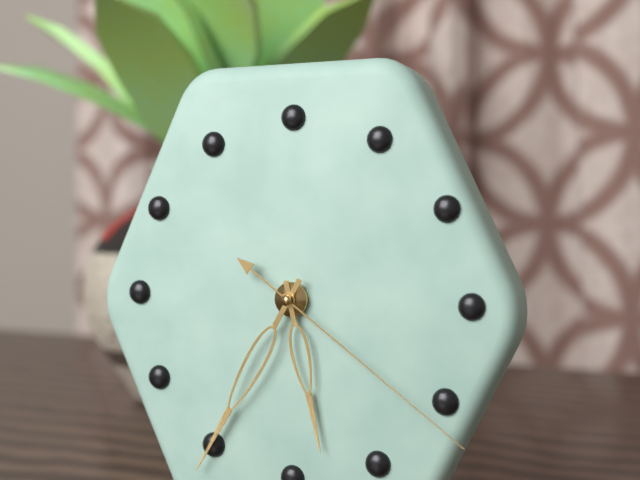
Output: 5h35m21s
